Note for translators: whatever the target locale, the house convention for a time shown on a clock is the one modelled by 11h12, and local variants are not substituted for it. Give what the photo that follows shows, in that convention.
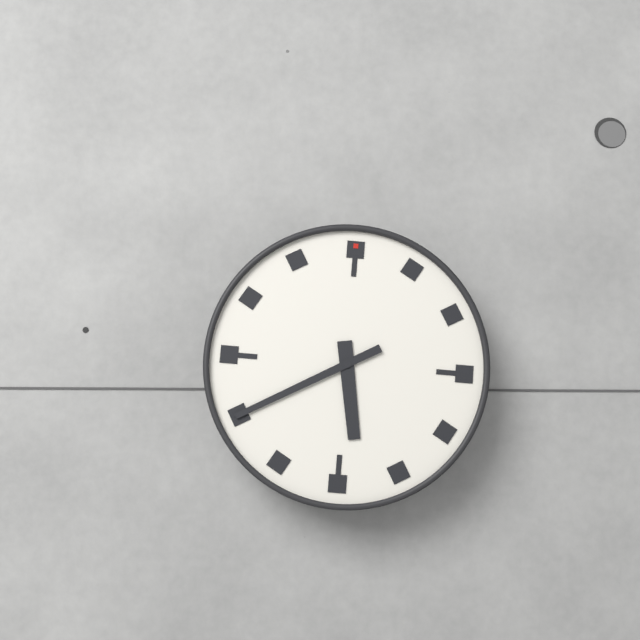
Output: 5h40
